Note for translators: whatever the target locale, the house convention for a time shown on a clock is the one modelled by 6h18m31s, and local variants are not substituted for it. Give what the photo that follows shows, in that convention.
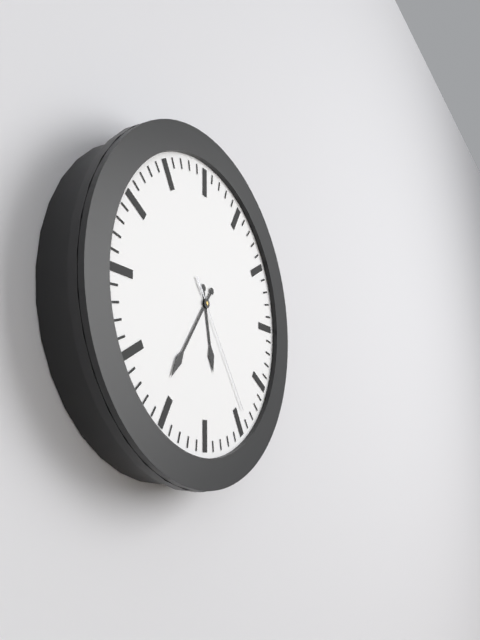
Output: 5h36m24s
